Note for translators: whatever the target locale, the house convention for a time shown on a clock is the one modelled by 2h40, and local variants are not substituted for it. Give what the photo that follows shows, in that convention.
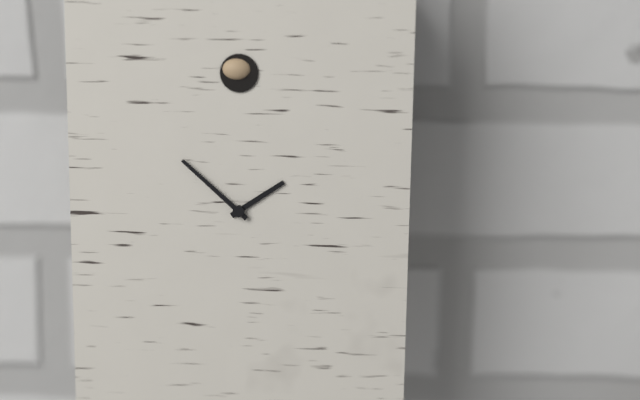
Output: 1h52
